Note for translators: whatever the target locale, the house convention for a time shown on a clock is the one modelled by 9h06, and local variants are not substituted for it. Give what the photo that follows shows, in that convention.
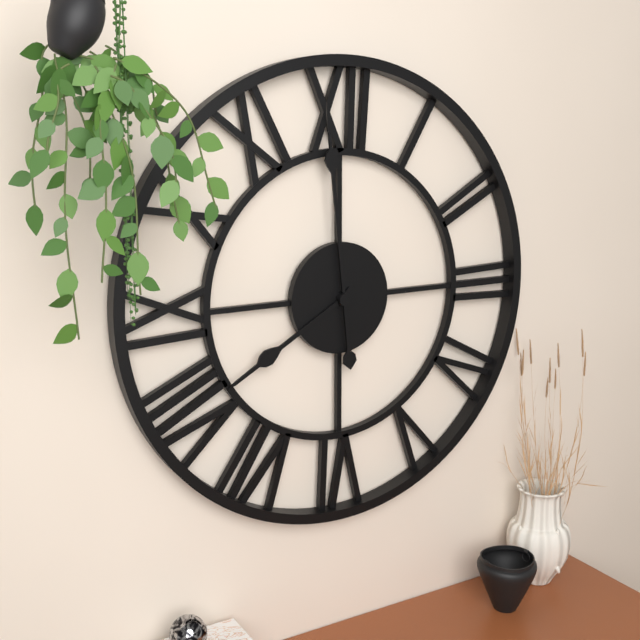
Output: 7h59
